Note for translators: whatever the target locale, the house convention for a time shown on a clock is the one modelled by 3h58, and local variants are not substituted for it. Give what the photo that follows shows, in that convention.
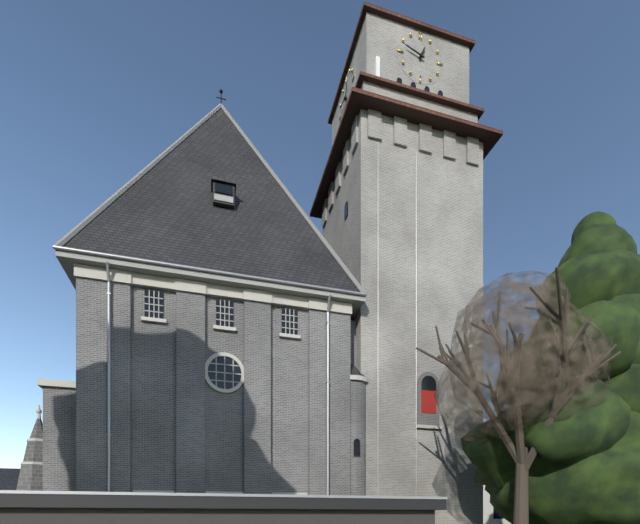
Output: 12h48
